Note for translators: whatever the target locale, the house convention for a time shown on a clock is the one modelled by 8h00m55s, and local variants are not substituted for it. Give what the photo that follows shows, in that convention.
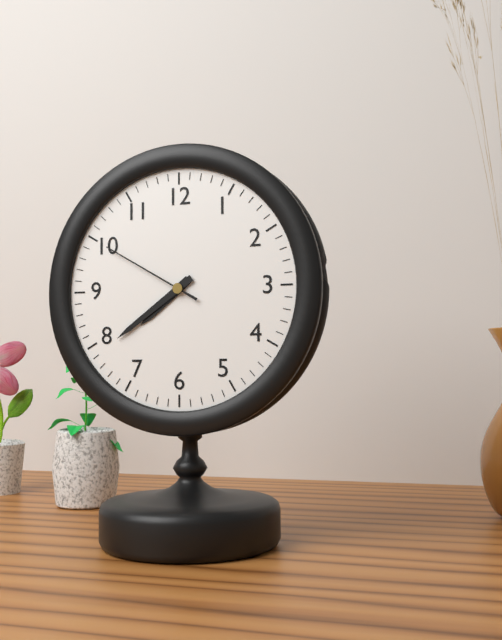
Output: 7h39m50s
